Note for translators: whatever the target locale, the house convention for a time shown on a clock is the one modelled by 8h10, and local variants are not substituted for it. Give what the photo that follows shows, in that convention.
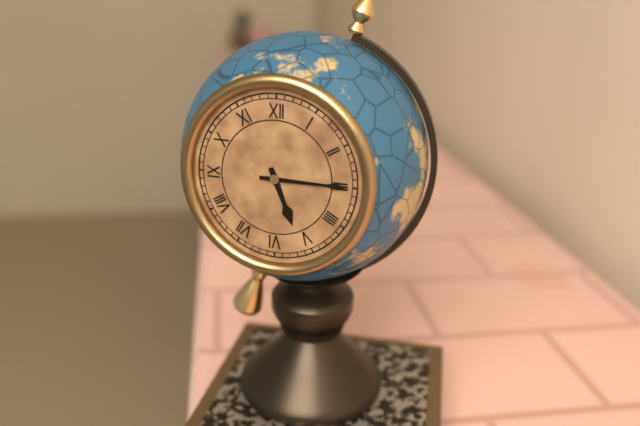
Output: 5h15
